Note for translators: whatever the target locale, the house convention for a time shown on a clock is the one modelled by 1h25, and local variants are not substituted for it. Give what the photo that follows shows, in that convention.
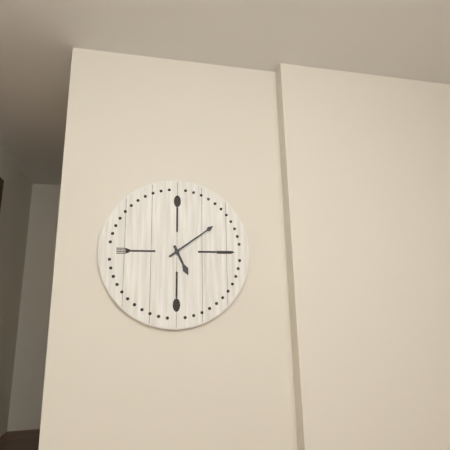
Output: 5h09
